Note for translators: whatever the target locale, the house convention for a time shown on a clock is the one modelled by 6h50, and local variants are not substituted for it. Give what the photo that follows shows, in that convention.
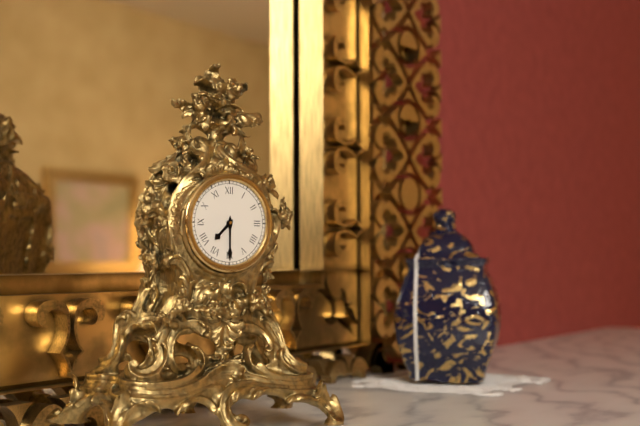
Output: 7h30
